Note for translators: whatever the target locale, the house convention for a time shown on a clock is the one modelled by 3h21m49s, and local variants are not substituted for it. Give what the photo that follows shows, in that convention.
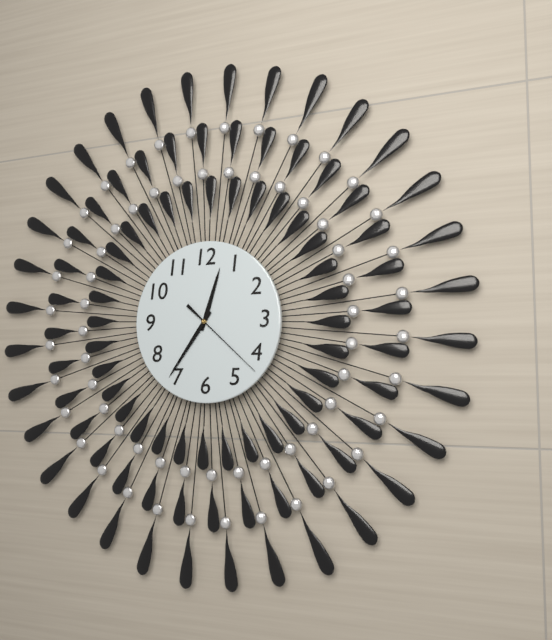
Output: 12h36m22s
